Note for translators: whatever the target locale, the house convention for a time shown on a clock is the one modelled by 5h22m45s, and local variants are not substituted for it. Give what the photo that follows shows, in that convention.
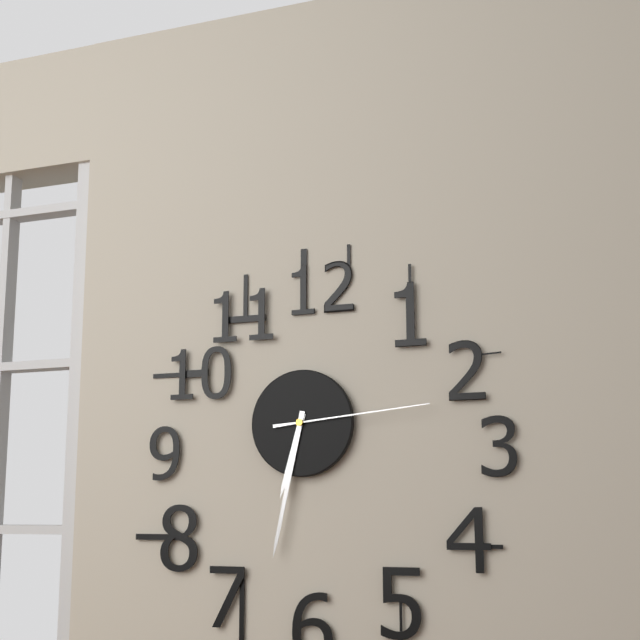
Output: 6h32m14s
